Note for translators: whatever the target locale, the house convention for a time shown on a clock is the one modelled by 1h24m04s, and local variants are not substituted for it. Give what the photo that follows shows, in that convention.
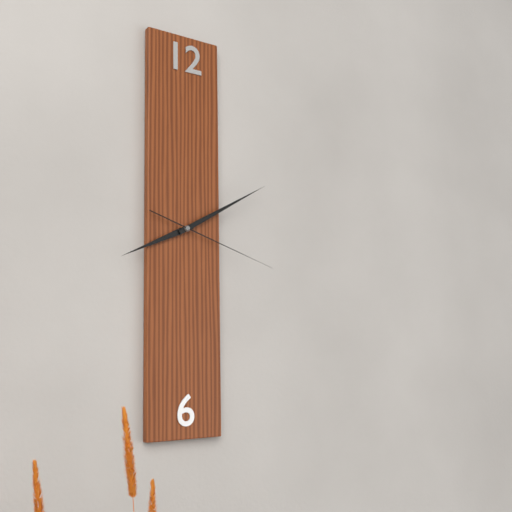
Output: 8h10m18s
